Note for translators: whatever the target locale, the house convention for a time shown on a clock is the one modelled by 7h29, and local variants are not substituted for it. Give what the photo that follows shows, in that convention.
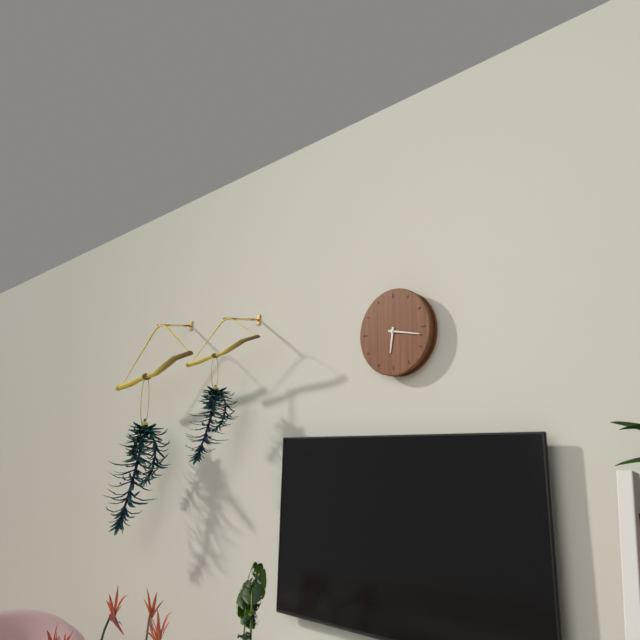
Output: 6h17
